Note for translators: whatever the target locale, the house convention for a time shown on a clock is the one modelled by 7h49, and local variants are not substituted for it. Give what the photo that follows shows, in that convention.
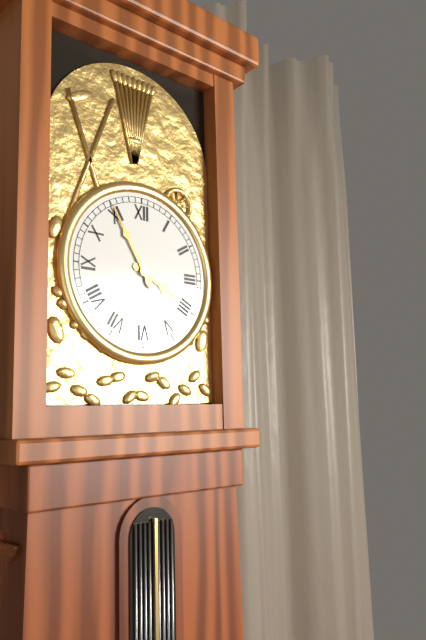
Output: 3h55
